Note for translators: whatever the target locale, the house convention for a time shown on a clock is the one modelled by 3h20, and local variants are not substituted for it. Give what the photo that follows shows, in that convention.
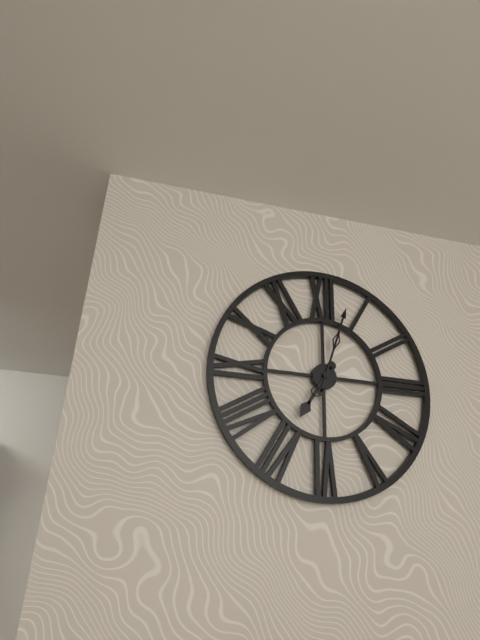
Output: 7h03
